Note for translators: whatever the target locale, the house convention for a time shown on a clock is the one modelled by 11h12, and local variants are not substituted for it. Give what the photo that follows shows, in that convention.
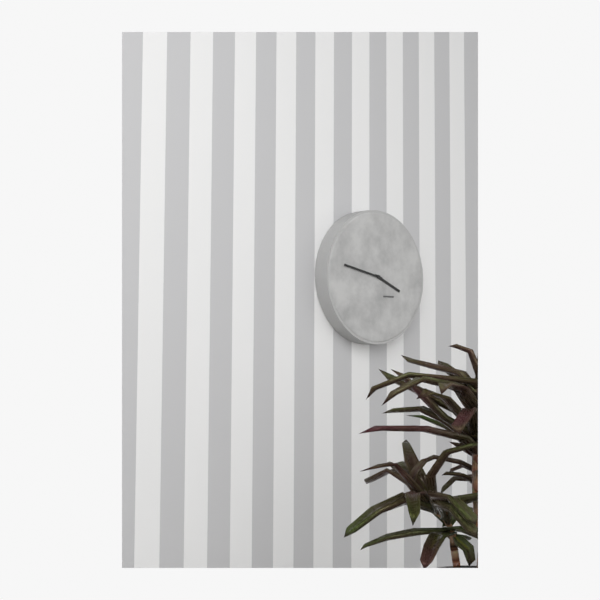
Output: 3h47
